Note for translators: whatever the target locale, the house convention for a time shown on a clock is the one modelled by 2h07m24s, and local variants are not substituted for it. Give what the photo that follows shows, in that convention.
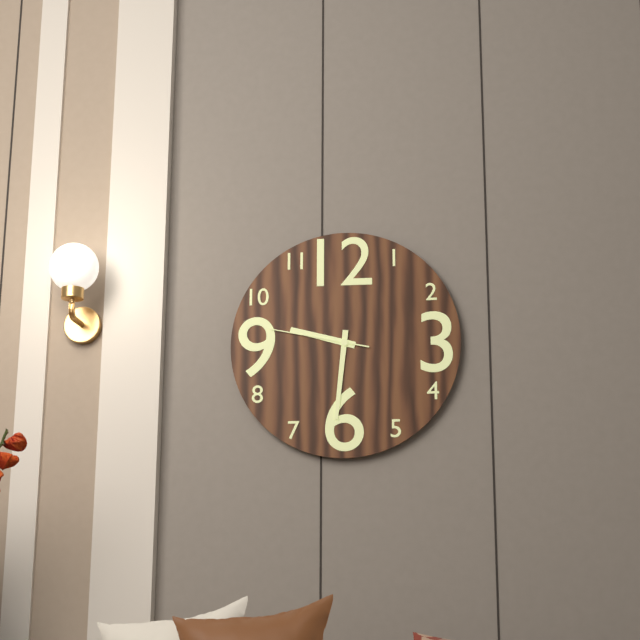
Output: 9h31m47s
